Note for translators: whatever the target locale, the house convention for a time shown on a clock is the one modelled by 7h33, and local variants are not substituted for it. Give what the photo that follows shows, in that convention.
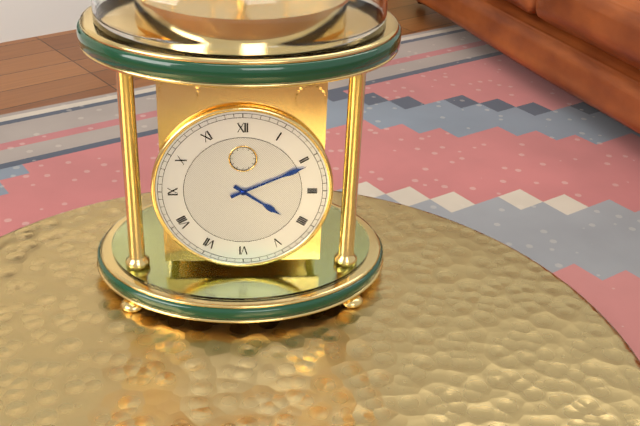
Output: 4h11
